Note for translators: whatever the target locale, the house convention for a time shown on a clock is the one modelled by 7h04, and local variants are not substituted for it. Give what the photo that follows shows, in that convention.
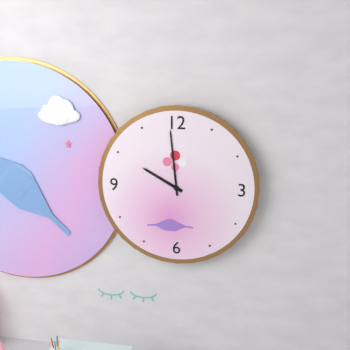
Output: 9h59
